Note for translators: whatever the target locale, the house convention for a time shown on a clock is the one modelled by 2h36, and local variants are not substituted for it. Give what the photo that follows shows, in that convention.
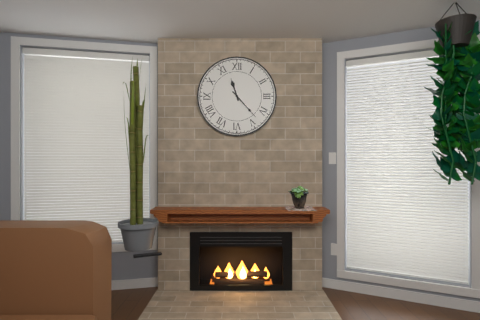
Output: 11h23
